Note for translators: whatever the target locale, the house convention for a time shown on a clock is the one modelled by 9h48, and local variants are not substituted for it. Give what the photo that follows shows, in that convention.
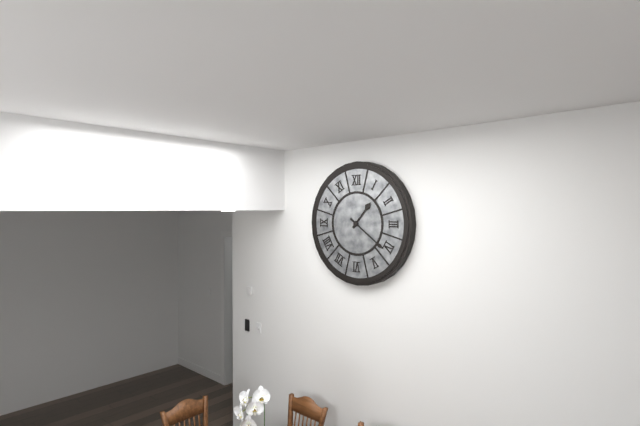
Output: 1h21
